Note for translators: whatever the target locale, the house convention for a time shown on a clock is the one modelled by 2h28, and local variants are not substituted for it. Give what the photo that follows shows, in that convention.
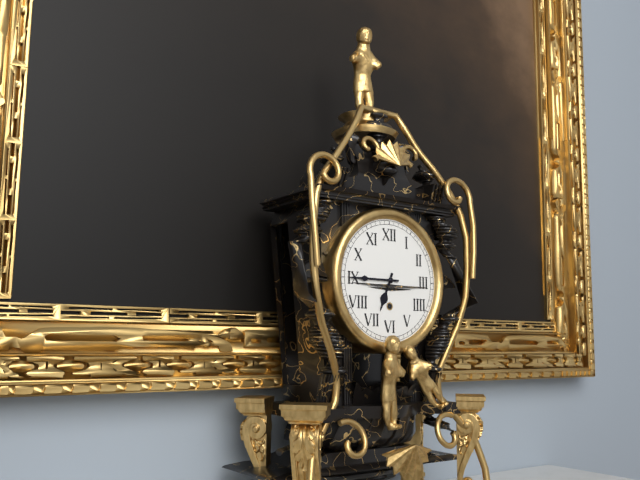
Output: 6h45
